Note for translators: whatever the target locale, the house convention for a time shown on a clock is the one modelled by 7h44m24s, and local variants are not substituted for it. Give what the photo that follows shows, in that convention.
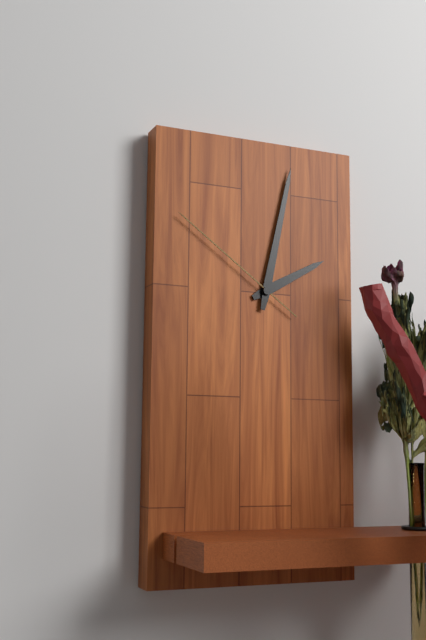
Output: 2h02m51s
